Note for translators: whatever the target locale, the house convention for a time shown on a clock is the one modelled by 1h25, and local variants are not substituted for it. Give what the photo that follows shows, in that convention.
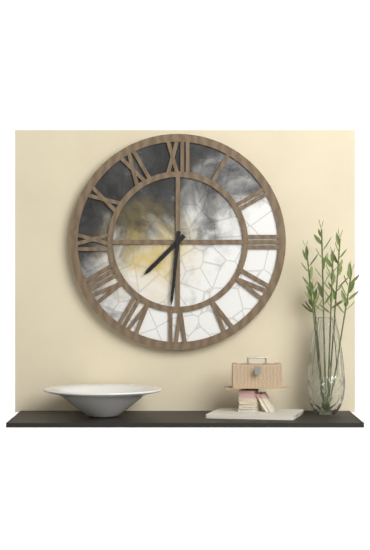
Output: 7h31
